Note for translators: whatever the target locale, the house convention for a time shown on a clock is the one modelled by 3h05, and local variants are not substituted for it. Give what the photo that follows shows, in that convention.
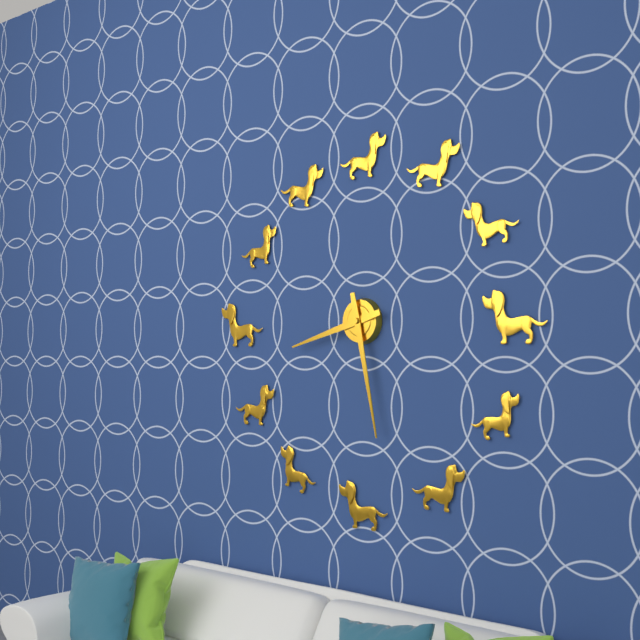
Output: 8h28
